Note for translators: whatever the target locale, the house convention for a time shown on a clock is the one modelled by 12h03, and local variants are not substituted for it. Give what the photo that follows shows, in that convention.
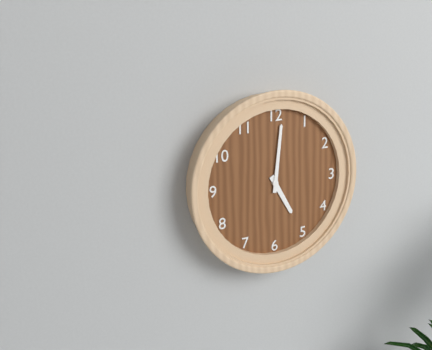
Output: 5h01
